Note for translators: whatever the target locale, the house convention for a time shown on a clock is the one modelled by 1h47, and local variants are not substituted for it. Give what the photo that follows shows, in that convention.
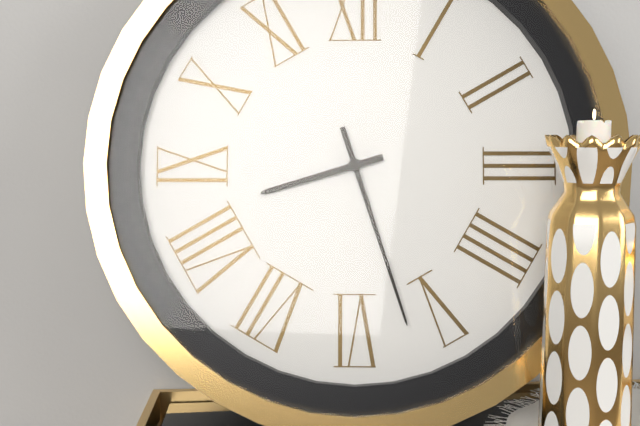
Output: 8h27
